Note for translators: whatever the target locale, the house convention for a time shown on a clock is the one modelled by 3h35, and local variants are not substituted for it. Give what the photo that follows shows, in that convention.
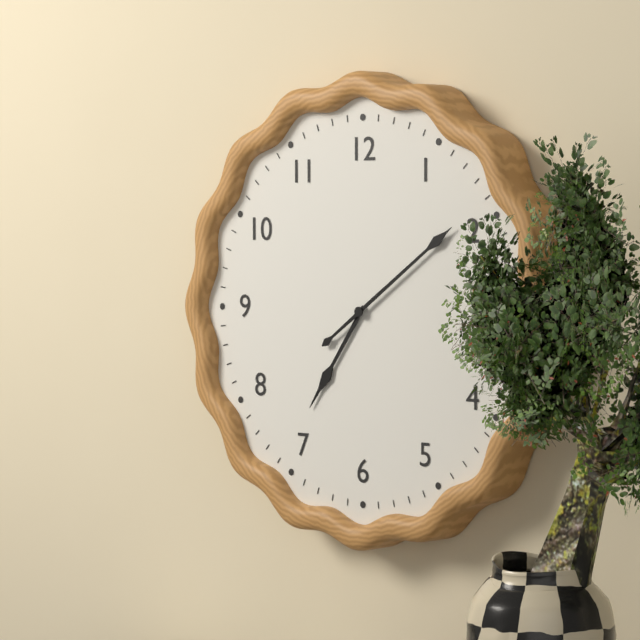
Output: 7h09
